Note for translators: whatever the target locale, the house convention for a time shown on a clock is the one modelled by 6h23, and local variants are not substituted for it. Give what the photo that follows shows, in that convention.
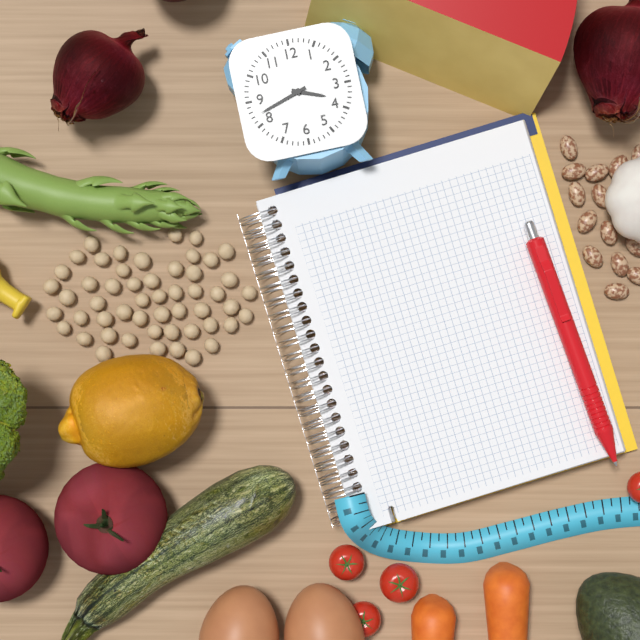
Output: 3h42
